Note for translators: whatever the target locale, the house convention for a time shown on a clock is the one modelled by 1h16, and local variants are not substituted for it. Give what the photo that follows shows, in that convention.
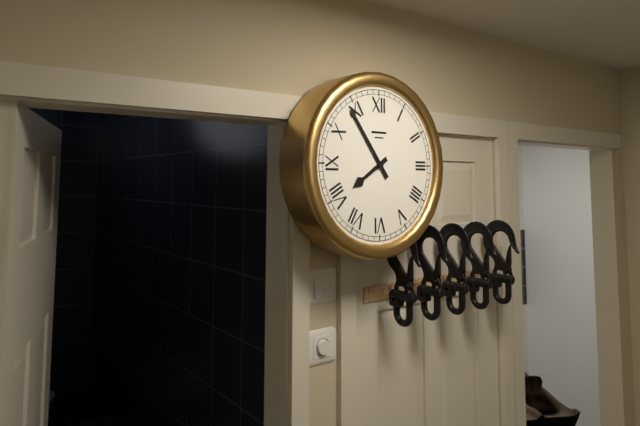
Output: 7h54
